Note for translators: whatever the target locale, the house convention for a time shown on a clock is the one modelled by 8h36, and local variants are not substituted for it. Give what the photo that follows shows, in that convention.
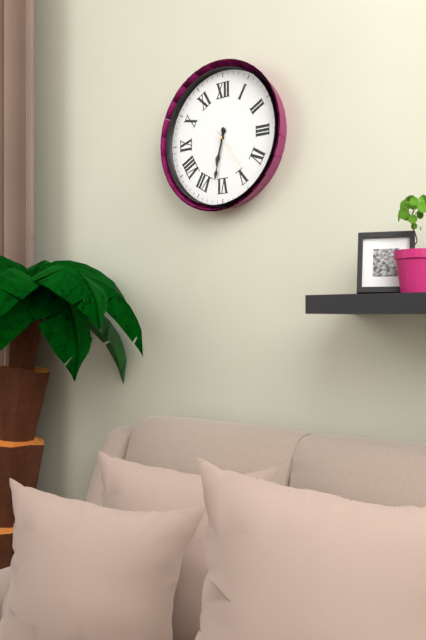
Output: 6h32
